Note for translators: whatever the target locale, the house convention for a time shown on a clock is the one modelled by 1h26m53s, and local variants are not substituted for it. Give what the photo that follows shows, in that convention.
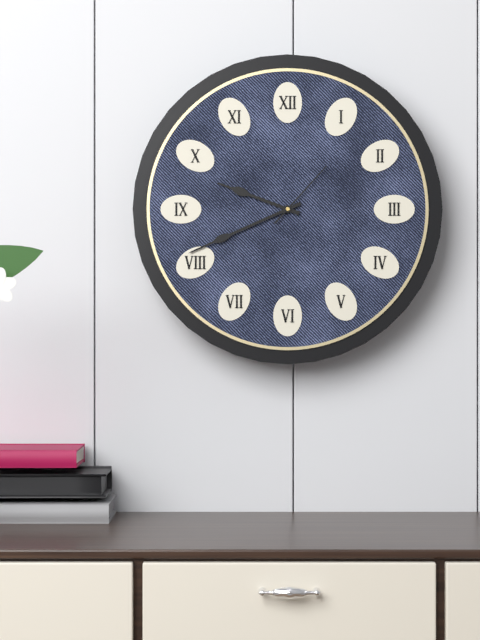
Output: 9h41m07s
